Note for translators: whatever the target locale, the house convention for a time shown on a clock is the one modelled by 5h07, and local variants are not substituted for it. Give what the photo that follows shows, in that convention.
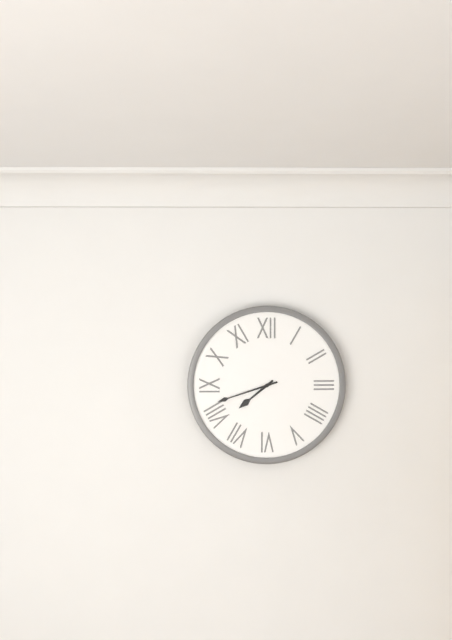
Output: 7h42
